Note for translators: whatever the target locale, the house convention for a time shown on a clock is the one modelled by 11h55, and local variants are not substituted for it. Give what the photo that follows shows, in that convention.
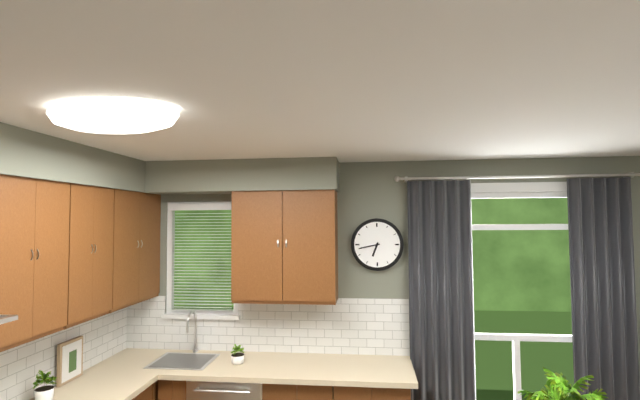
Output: 6h43
